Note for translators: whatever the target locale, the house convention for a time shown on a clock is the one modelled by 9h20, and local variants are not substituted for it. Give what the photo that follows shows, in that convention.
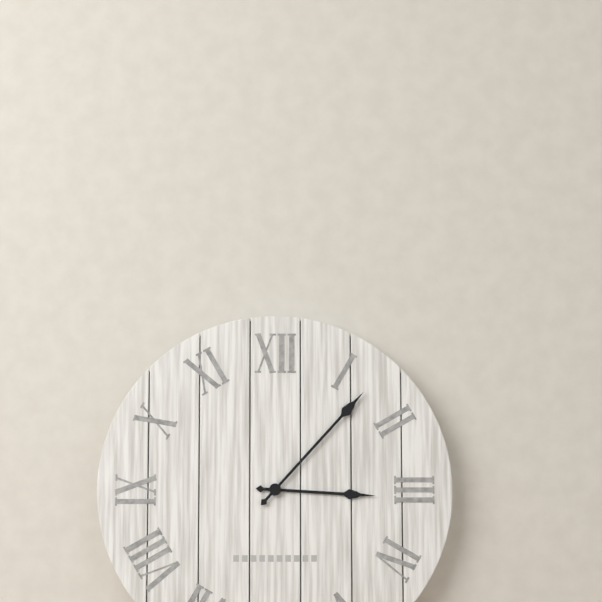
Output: 3h07
